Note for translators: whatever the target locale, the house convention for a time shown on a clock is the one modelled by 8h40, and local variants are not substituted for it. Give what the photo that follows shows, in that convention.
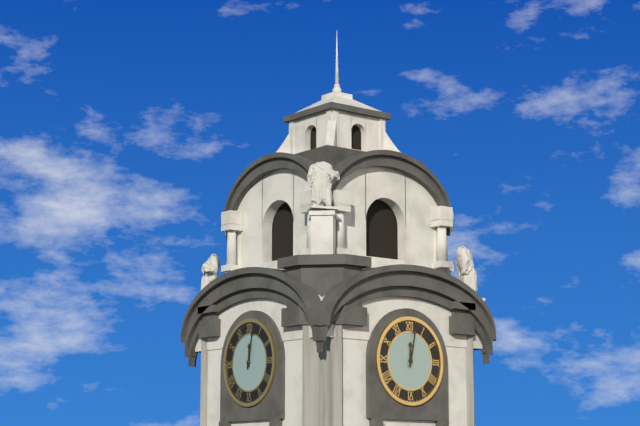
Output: 12h02
